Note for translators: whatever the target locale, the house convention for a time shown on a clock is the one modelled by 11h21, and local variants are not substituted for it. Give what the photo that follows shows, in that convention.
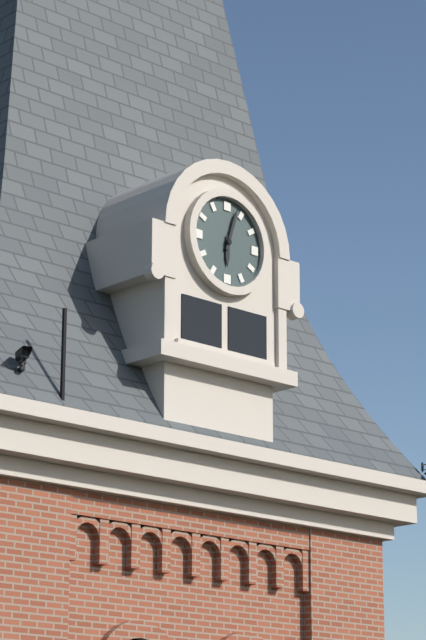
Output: 6h03
